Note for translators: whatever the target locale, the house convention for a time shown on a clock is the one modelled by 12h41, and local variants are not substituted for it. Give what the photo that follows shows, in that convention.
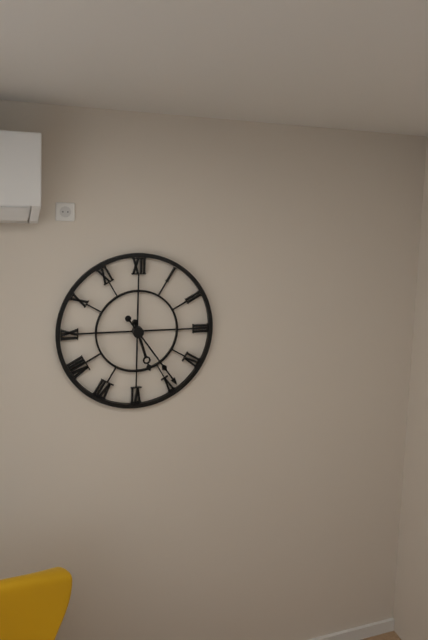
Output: 5h24
